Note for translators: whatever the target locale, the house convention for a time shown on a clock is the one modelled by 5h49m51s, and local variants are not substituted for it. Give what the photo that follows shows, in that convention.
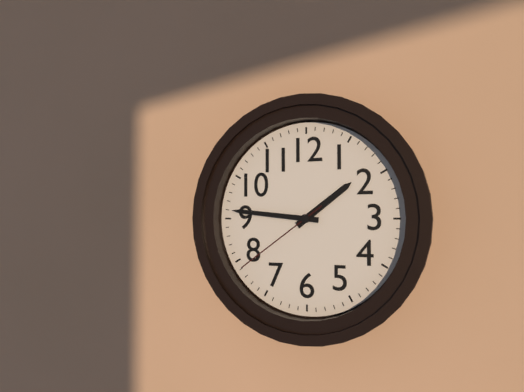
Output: 1h46m39s
